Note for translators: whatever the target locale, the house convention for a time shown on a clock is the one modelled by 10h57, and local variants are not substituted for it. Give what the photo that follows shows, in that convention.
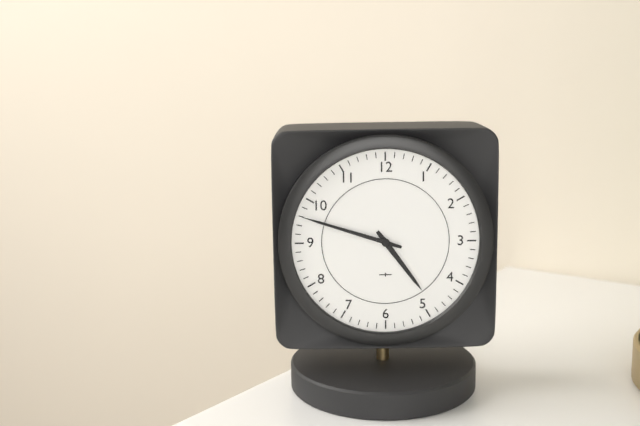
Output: 4h48
